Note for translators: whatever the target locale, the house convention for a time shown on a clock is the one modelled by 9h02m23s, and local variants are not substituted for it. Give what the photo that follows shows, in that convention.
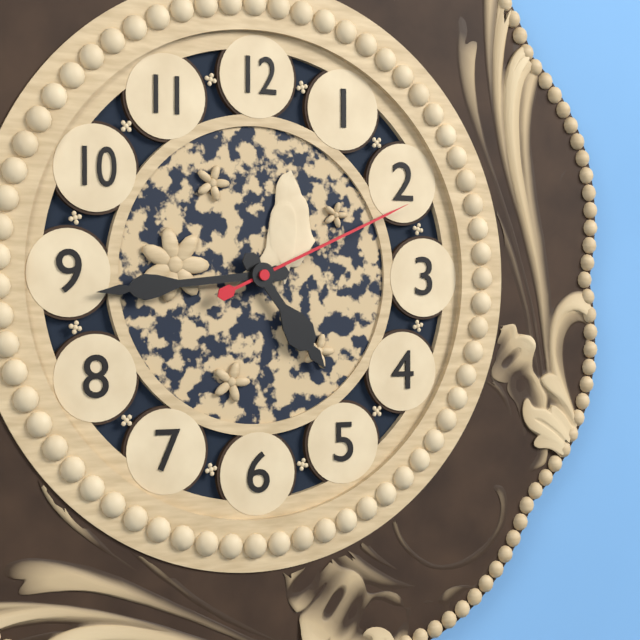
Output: 4h44m11s
